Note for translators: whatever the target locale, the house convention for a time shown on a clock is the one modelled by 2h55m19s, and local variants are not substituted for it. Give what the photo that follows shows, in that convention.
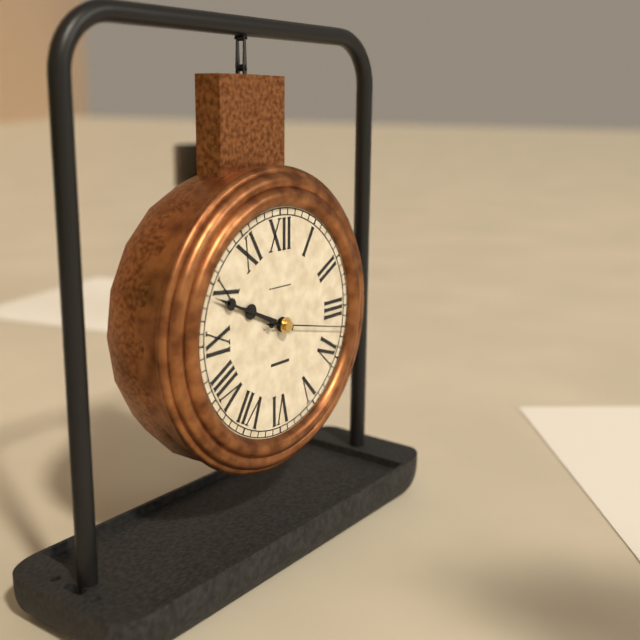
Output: 9h49m17s
